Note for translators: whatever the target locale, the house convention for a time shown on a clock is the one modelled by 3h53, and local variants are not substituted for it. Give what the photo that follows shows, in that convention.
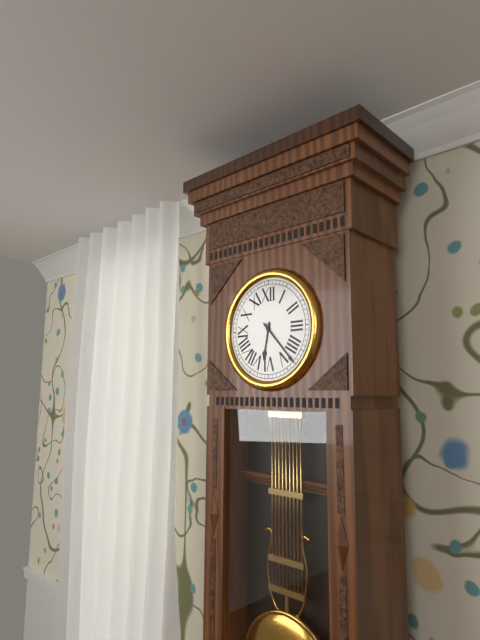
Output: 6h23
